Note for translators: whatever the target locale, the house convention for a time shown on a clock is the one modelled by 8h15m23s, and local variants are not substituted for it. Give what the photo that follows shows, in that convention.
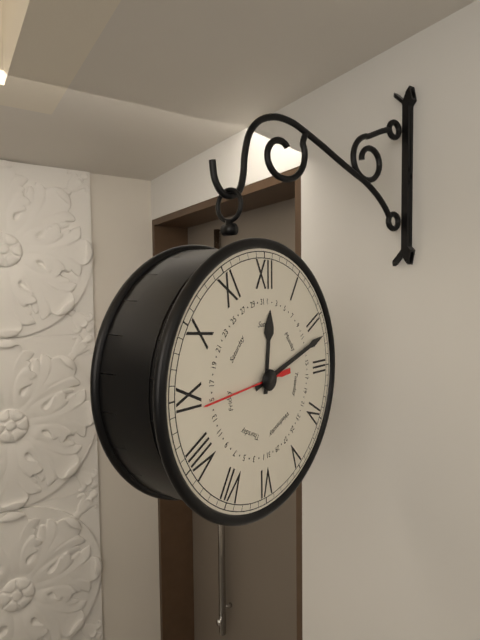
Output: 12h12m44s
